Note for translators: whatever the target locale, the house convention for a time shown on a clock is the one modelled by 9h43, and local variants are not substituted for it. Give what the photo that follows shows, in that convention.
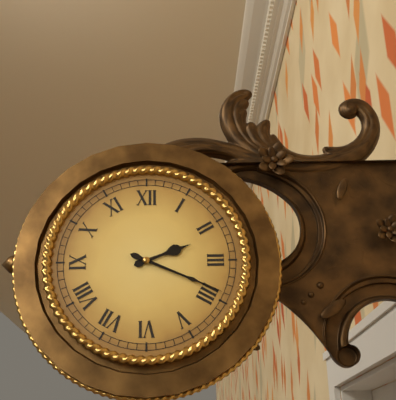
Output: 2h19
